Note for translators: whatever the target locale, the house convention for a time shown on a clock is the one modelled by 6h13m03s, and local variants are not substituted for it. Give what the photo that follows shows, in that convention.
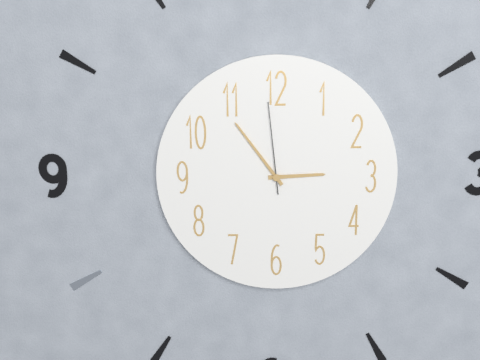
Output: 2h54m59s
